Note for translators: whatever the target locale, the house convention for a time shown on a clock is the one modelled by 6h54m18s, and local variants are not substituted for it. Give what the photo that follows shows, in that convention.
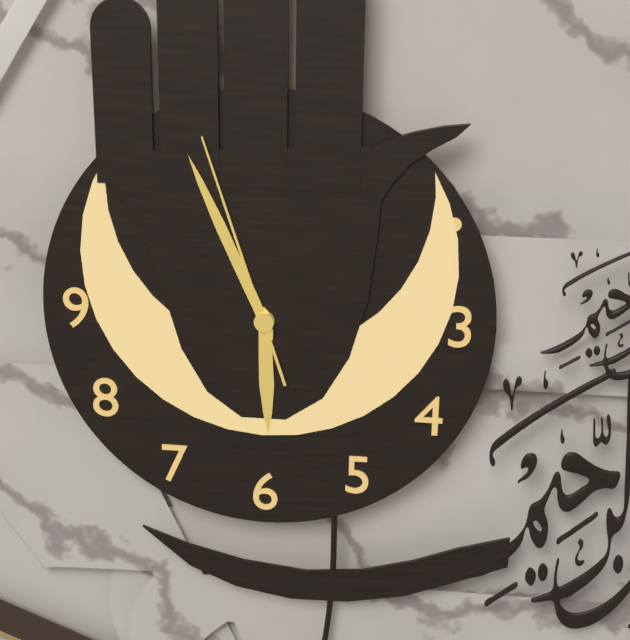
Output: 5h56m57s
